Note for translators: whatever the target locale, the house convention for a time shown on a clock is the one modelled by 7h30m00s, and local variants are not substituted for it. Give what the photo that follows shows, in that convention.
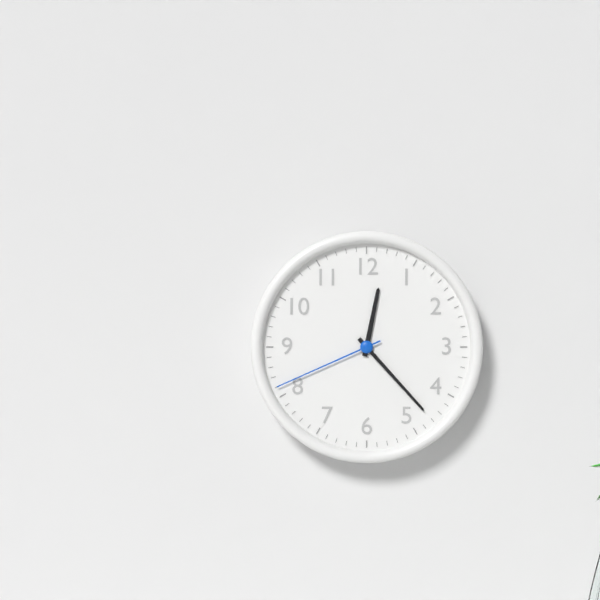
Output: 12h23m41s
